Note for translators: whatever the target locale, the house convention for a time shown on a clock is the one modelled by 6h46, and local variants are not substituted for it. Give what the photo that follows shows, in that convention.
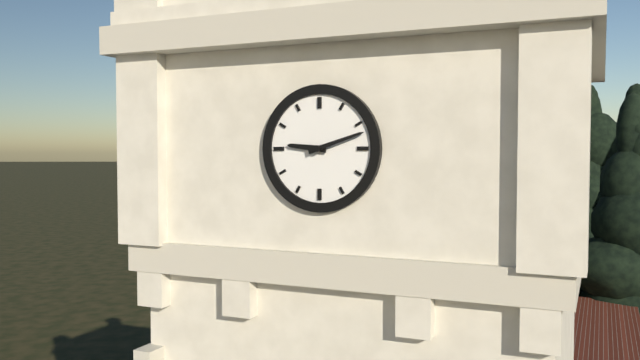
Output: 9h12
